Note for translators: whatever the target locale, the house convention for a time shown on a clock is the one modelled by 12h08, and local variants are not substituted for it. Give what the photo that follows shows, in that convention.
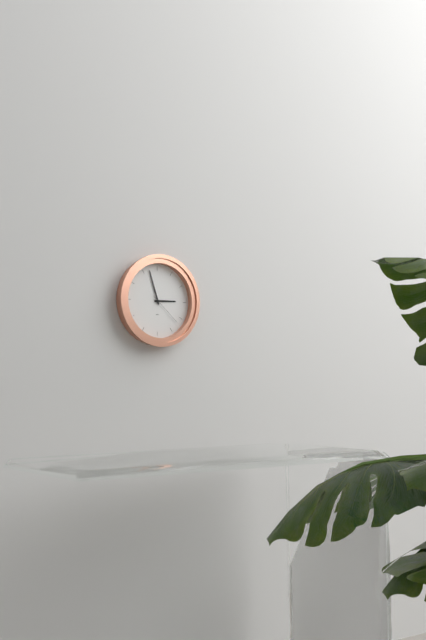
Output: 2h57
